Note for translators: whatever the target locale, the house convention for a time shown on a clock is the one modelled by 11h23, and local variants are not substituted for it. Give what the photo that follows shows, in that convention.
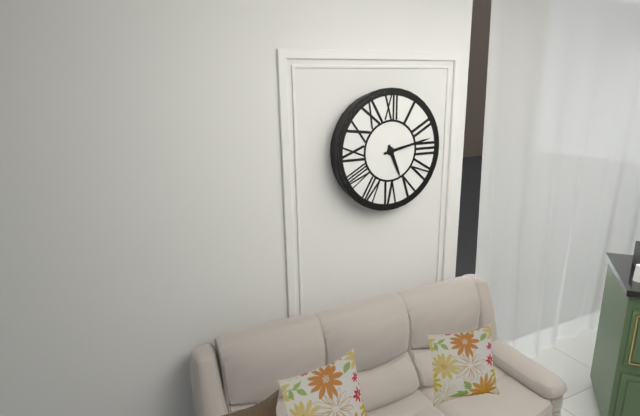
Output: 5h13
